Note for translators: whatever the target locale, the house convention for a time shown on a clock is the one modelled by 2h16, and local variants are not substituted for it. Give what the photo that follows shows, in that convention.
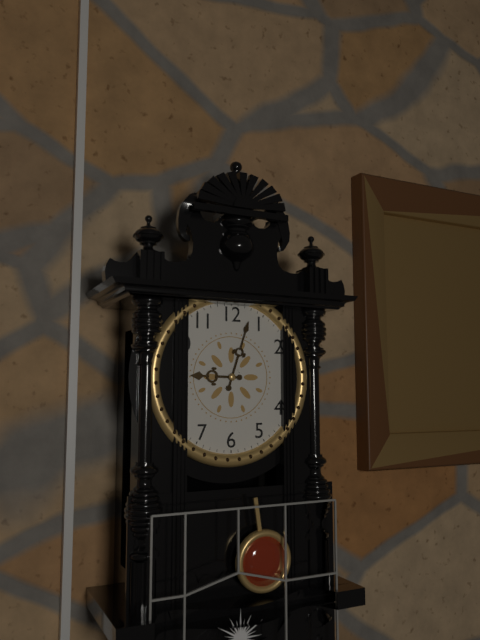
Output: 9h03
